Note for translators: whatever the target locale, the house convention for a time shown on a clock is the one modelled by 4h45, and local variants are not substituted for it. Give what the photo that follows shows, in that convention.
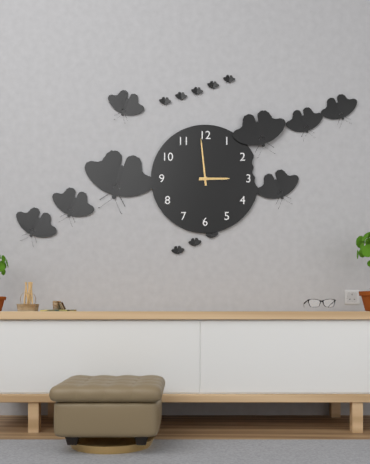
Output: 2h59
